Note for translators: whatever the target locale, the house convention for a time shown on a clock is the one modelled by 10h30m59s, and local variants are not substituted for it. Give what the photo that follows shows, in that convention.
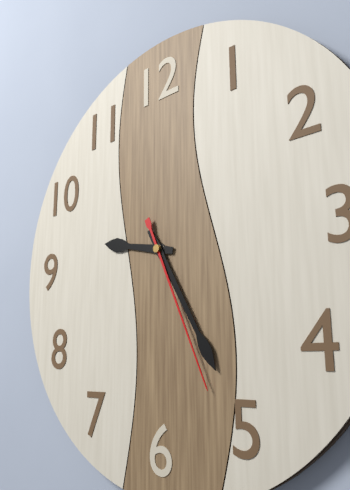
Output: 9h25m26s
